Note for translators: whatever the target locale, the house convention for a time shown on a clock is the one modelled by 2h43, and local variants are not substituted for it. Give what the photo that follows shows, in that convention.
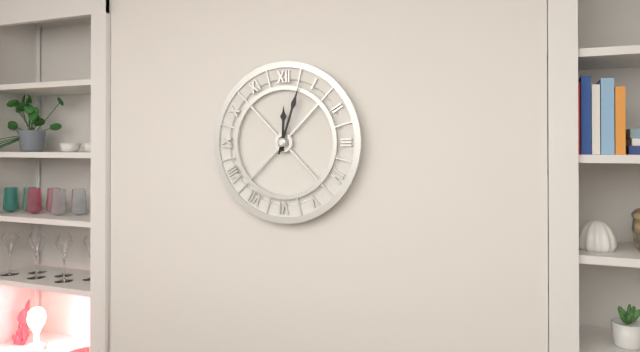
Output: 12h03
